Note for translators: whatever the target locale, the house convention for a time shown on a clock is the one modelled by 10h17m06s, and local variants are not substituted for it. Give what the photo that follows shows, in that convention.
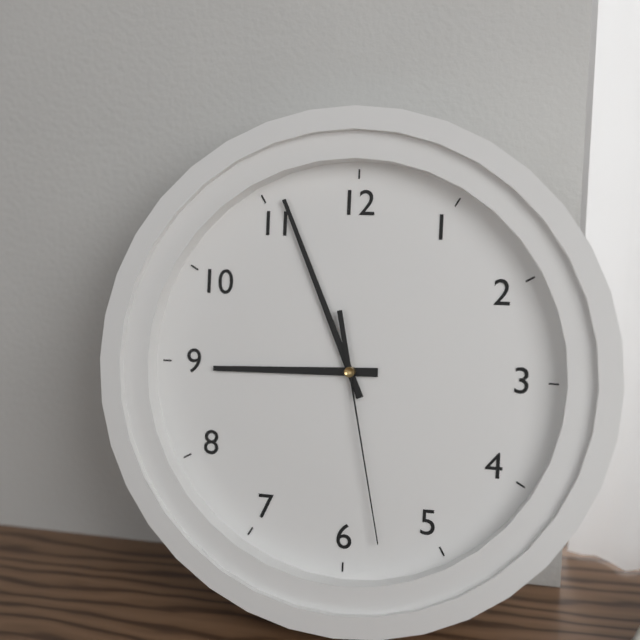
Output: 8h56m28s
